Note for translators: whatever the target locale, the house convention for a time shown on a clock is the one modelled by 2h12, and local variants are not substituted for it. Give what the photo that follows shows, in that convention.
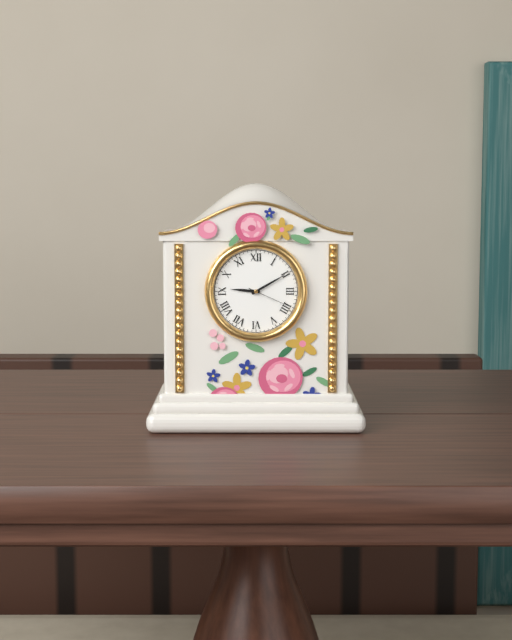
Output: 9h10
